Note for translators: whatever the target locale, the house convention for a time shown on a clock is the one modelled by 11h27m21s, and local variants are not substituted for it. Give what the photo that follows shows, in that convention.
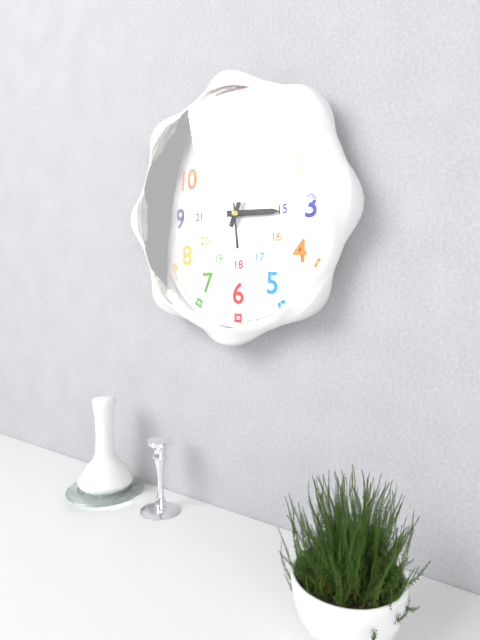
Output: 3h04m59s
